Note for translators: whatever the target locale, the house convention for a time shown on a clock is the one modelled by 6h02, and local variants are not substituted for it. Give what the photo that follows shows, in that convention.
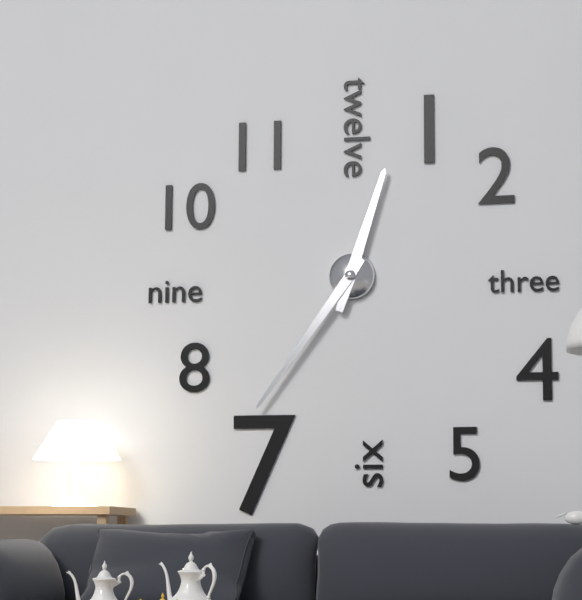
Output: 12h36
